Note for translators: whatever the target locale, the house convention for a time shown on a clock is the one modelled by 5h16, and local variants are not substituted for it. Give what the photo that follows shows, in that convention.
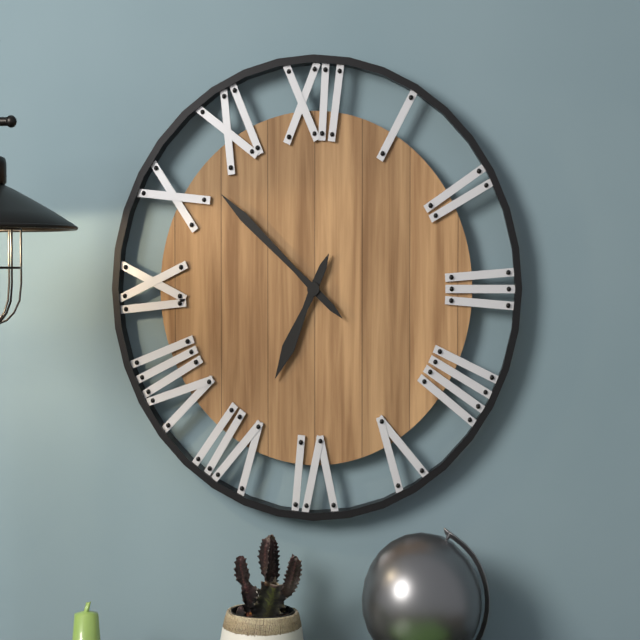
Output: 6h52
